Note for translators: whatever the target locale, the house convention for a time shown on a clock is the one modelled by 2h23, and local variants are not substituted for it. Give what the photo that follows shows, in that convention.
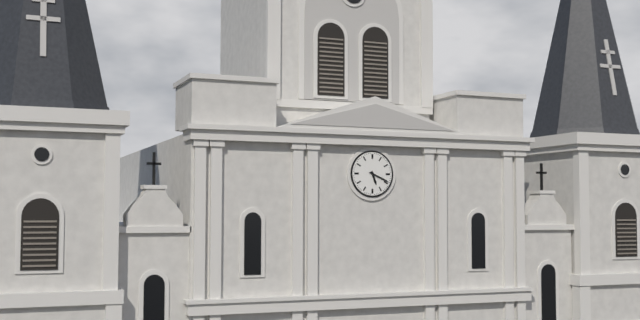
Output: 5h19
